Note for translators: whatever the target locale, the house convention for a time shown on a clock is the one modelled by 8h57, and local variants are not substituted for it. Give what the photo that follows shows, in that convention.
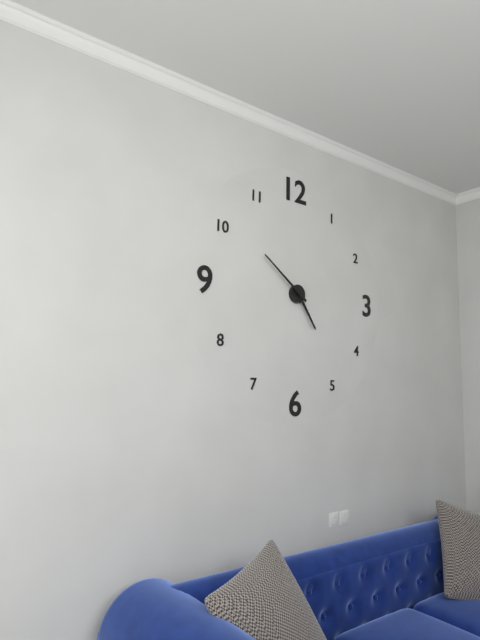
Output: 4h51
